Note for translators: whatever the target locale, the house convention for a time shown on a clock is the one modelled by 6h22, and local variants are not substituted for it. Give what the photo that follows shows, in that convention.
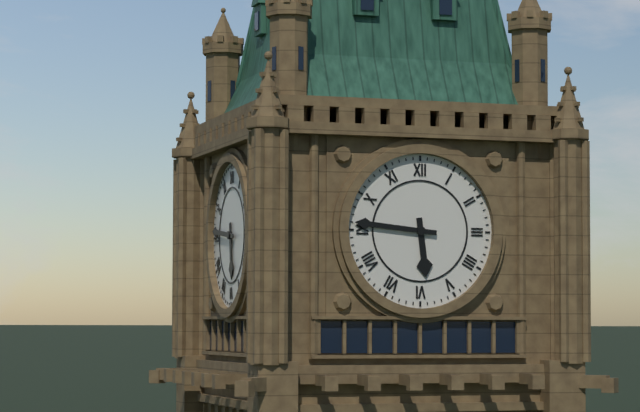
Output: 5h46
